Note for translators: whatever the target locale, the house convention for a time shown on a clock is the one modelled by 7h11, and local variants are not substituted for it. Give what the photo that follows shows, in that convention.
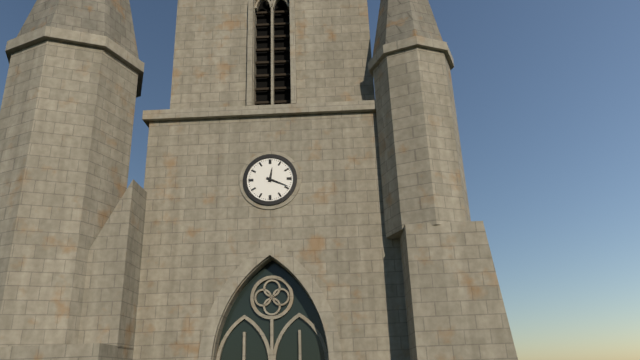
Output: 12h19
